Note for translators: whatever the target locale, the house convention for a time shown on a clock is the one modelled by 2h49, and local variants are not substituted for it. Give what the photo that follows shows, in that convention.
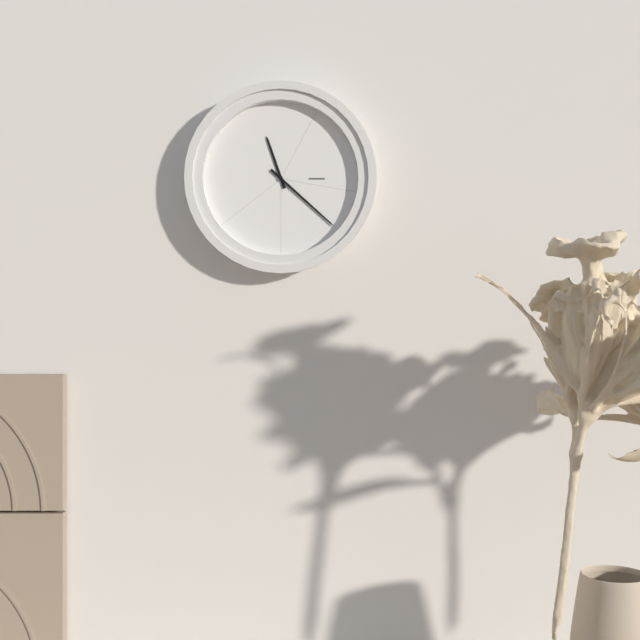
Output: 11h22
